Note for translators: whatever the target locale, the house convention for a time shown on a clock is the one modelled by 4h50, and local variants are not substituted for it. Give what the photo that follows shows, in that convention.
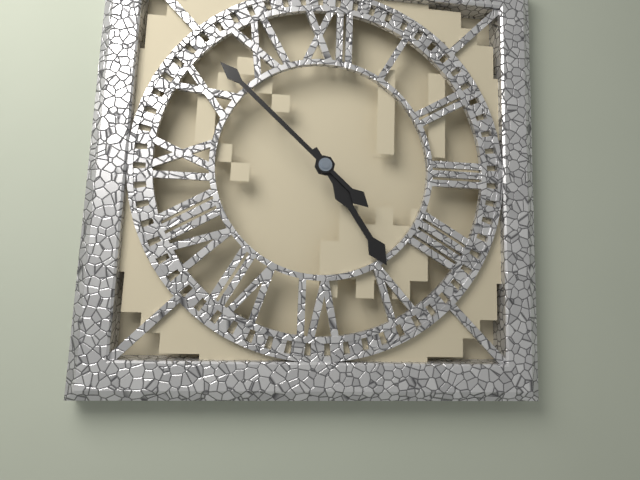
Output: 4h52
